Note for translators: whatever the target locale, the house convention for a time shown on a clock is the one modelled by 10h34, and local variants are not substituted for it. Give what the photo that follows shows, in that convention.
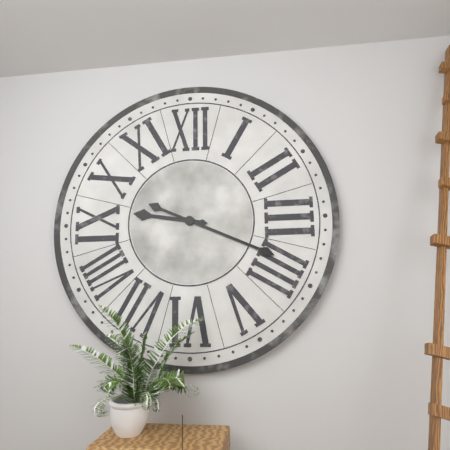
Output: 9h19
